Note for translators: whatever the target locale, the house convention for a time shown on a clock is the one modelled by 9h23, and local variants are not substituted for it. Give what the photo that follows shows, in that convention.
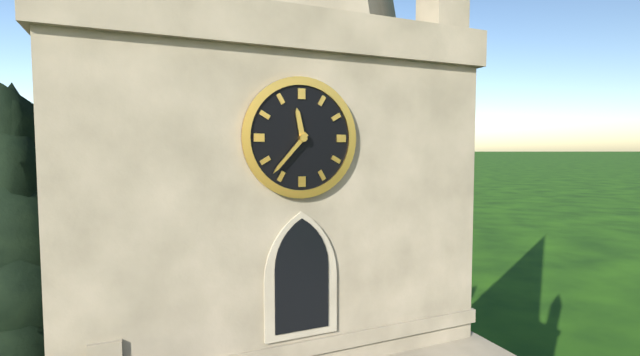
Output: 11h37
